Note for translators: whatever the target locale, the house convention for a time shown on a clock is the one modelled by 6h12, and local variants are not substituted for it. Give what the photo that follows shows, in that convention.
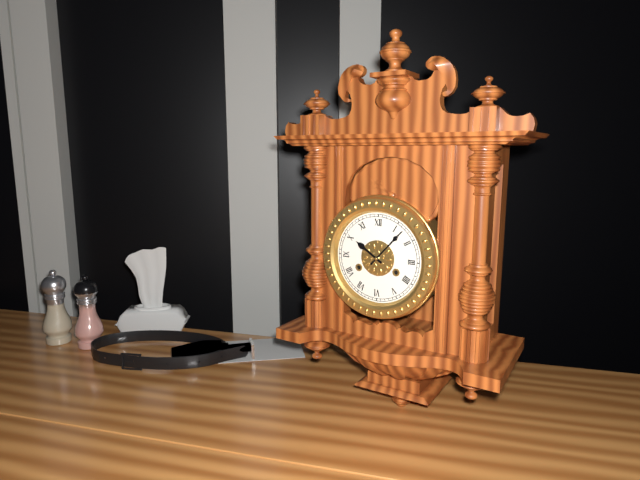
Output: 10h07
